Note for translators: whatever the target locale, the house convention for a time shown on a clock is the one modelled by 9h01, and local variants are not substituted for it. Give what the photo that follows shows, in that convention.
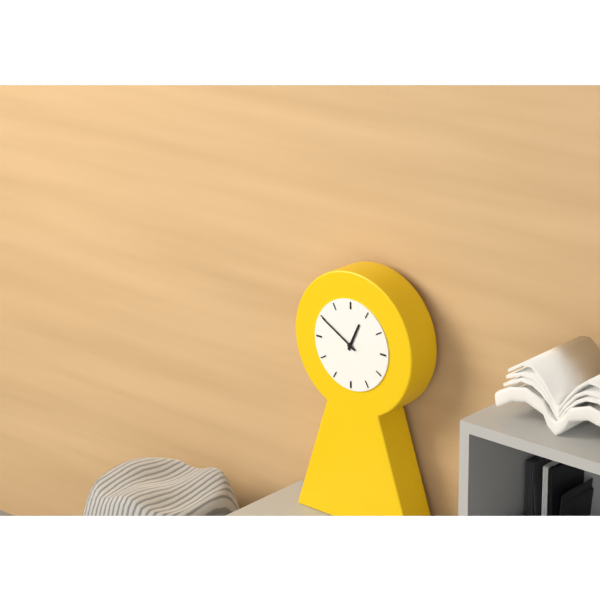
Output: 12h50
